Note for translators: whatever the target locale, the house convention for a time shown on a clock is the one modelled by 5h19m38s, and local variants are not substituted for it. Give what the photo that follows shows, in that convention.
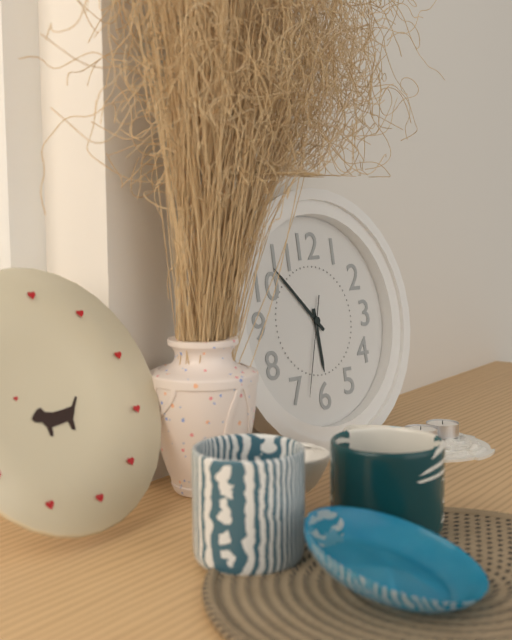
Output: 5h53m33s
